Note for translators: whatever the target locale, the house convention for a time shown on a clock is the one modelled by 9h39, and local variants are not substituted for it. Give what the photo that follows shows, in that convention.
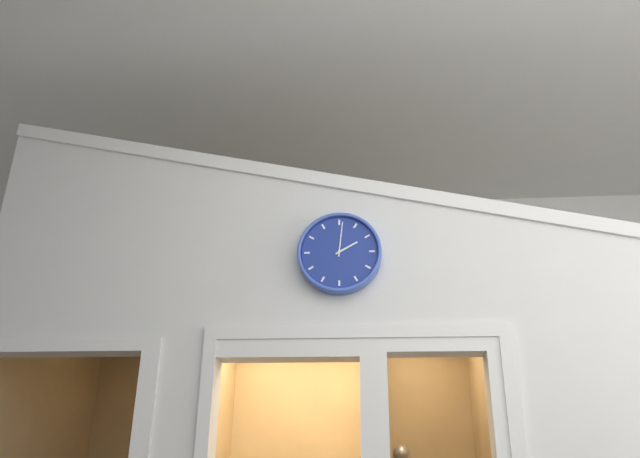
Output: 2h01
